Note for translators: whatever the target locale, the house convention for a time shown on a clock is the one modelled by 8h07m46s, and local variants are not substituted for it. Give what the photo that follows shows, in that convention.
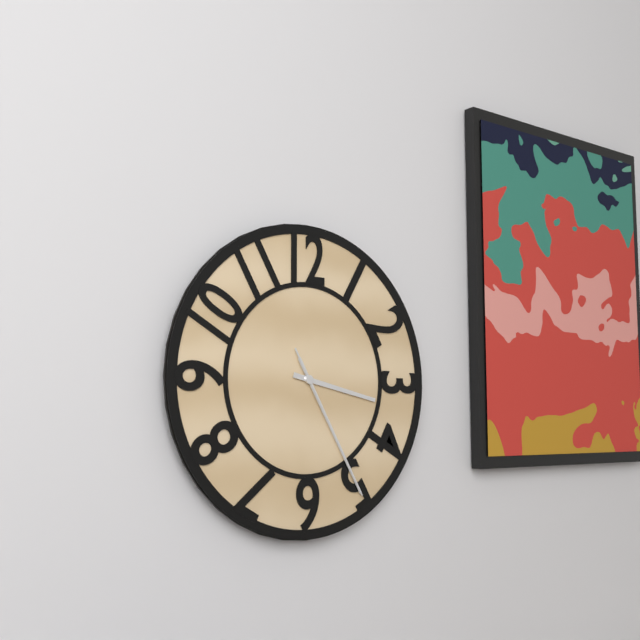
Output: 3h25m25s
